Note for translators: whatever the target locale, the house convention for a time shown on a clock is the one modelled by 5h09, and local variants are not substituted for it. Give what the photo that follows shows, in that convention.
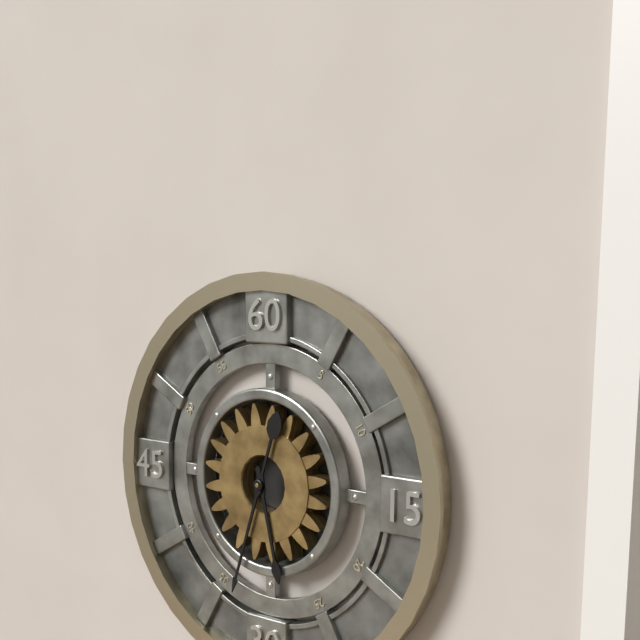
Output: 5h33
